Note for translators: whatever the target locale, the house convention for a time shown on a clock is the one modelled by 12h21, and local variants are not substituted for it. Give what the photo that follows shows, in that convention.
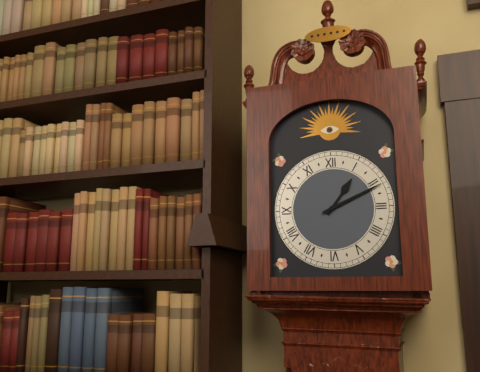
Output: 1h11
